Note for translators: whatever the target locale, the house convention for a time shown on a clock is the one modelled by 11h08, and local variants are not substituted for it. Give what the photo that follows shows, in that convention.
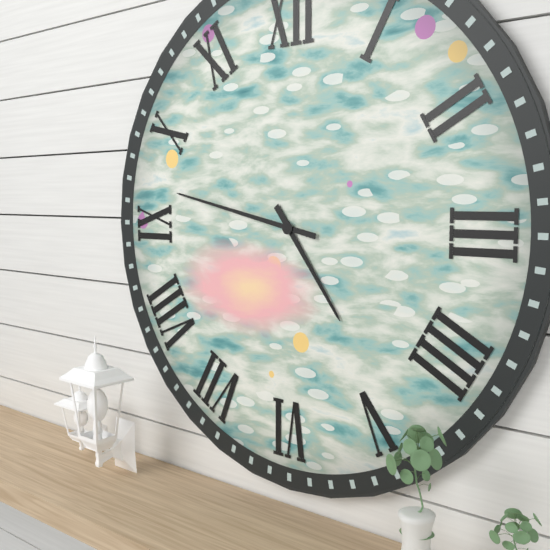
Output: 4h47
